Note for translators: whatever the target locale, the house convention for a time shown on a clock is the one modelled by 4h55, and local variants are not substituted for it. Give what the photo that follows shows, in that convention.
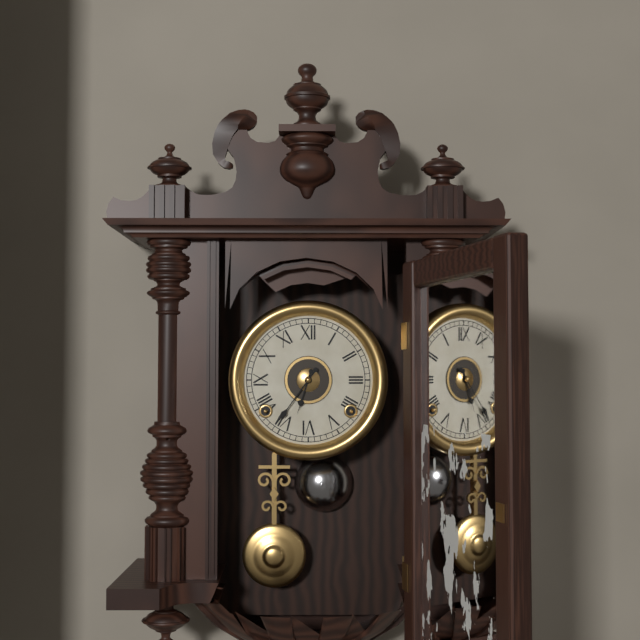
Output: 6h36
